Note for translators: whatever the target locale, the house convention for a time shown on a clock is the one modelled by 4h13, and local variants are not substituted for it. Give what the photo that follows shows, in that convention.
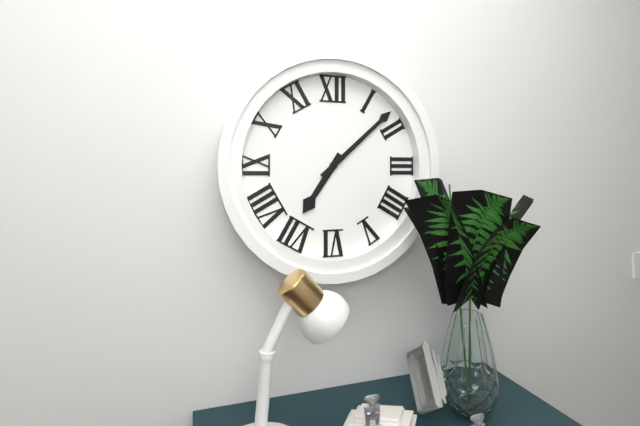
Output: 7h08
